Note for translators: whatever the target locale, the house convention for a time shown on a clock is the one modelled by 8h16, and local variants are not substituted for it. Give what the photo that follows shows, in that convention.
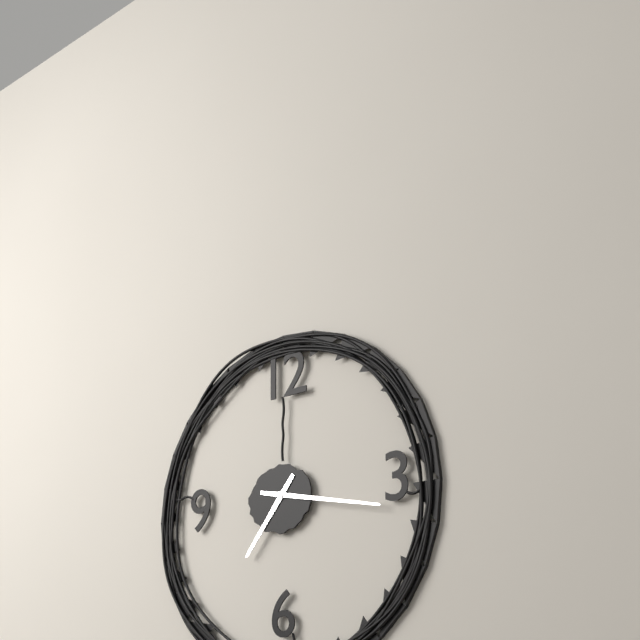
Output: 7h17
